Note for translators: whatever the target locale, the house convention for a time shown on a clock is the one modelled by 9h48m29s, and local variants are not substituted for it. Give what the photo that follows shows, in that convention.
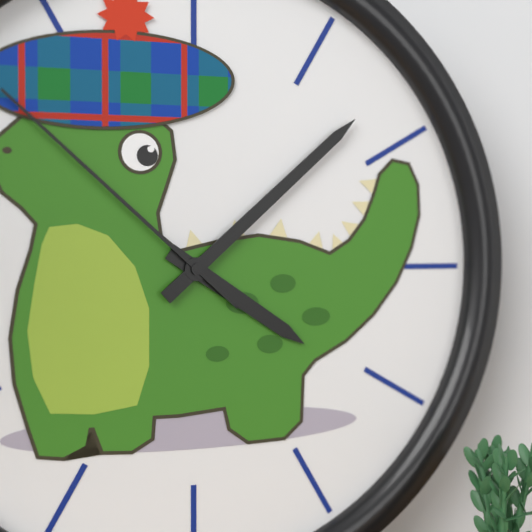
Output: 4h08m52s
